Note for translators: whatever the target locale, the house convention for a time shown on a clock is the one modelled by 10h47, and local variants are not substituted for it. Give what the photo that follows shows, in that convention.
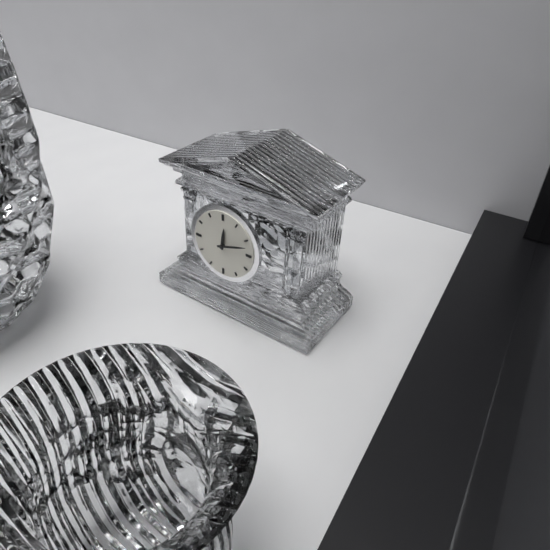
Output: 12h12
